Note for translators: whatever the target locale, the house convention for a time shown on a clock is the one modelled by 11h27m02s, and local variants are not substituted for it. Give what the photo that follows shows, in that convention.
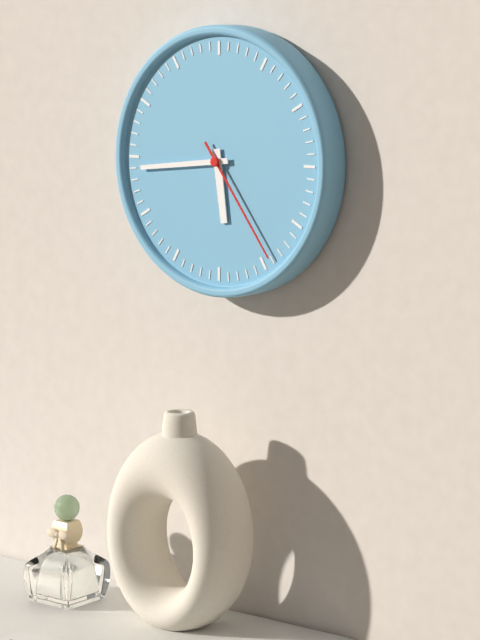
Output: 5h44m24s
